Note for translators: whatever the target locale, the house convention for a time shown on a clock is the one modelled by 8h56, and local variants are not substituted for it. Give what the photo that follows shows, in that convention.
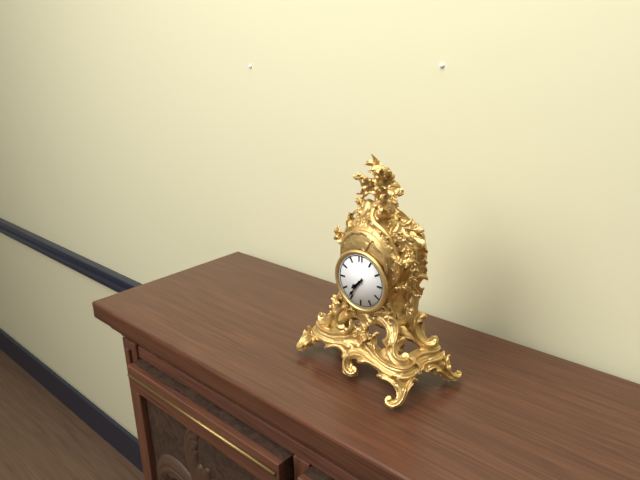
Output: 7h36
